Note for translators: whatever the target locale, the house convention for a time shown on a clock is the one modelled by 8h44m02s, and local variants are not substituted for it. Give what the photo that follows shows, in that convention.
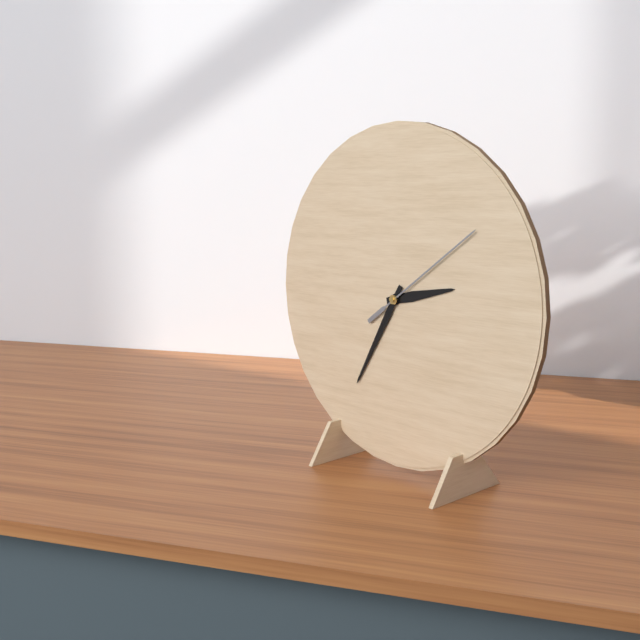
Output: 2h35m09s
